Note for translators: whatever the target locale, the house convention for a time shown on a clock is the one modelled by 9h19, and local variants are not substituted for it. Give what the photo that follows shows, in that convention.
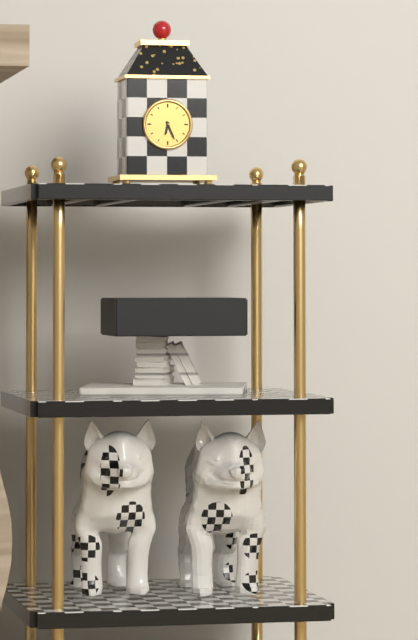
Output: 6h26
